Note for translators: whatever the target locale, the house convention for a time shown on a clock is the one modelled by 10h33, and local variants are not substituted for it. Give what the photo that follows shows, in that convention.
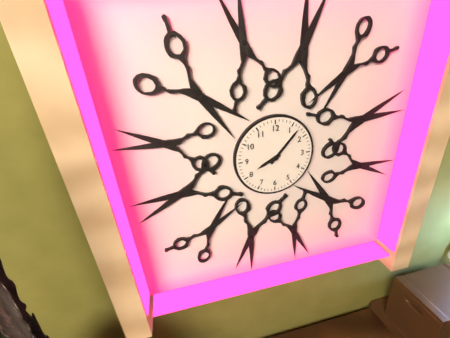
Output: 8h07
